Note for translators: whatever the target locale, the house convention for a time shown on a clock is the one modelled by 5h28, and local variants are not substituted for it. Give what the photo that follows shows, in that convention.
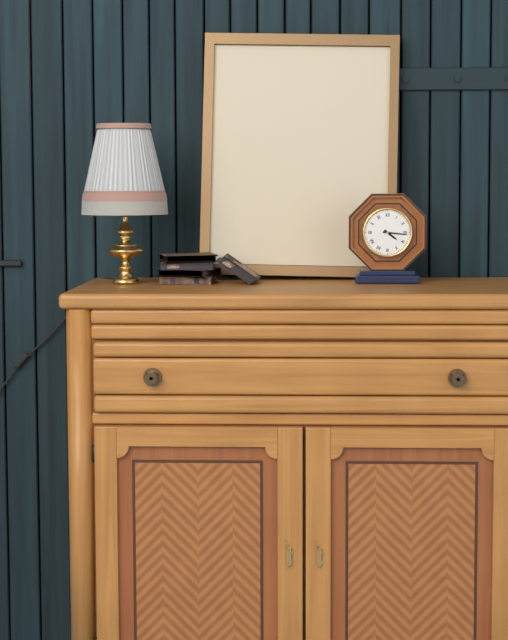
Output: 4h16
